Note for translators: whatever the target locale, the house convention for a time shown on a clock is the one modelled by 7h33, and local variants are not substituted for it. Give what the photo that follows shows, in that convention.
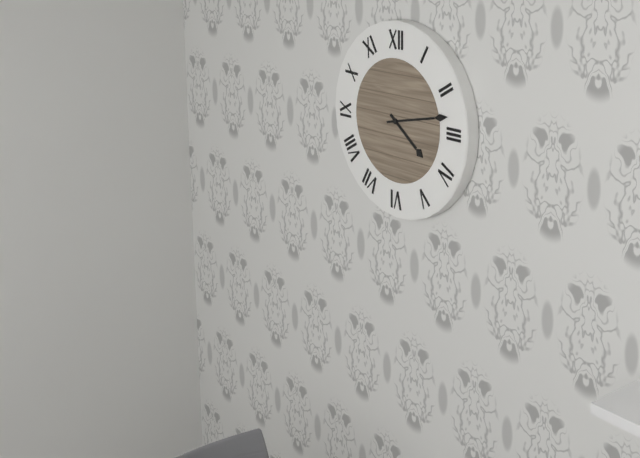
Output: 4h13
